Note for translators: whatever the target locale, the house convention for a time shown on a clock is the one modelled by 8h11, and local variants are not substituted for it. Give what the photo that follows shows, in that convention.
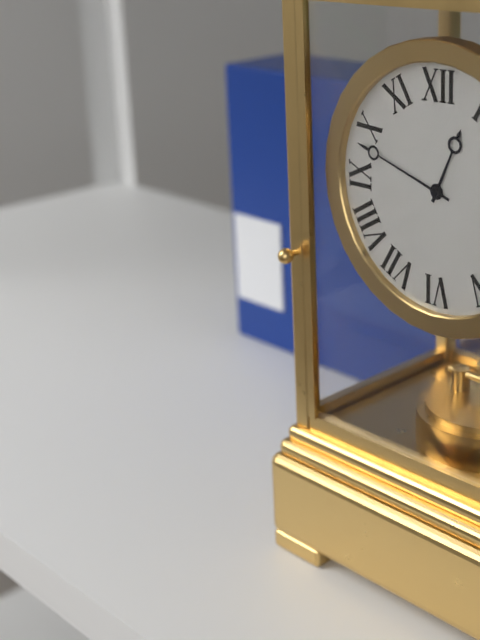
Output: 12h48
